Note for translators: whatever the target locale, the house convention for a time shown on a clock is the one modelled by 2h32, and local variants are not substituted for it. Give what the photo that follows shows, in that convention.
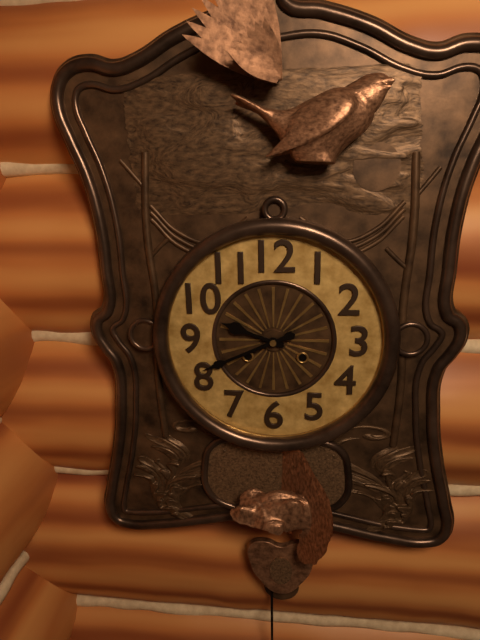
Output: 9h41
